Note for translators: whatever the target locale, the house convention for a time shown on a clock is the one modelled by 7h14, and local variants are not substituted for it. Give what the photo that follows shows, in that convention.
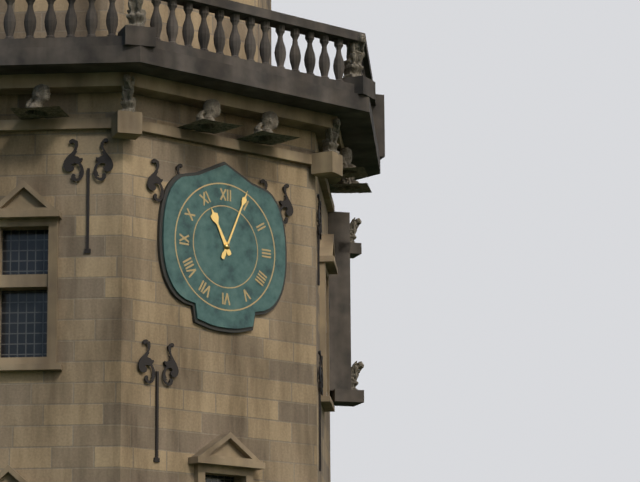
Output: 11h04
